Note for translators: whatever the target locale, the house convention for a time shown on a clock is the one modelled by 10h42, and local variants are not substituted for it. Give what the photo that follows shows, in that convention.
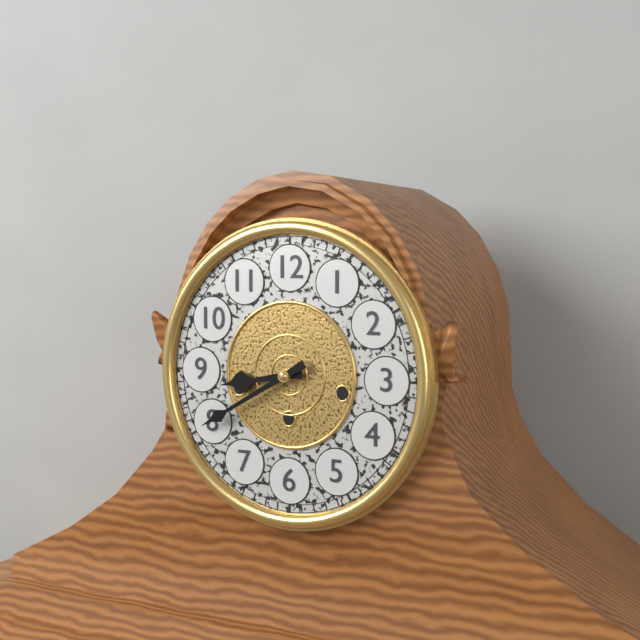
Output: 8h40
